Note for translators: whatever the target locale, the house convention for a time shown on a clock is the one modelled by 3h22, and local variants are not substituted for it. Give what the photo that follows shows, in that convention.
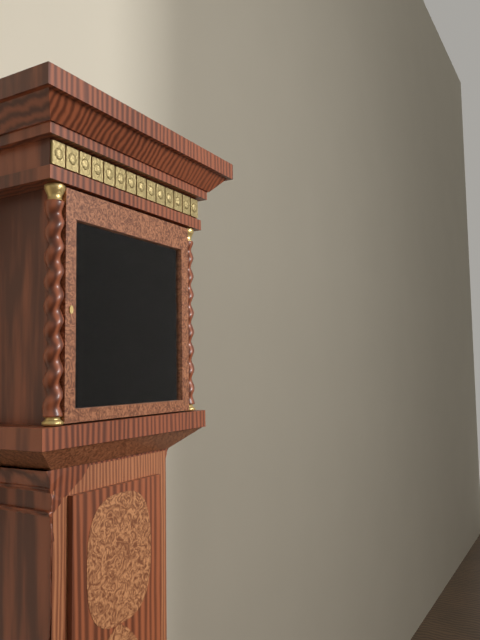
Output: 2h53
